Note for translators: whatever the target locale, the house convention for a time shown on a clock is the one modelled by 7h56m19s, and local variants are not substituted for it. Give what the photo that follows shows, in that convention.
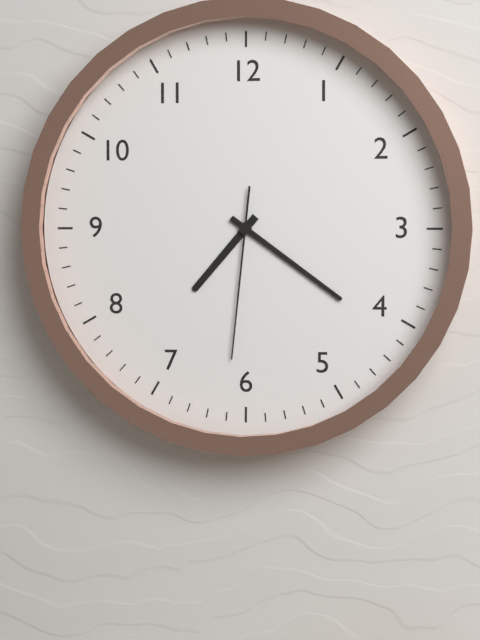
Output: 7h21m31s
